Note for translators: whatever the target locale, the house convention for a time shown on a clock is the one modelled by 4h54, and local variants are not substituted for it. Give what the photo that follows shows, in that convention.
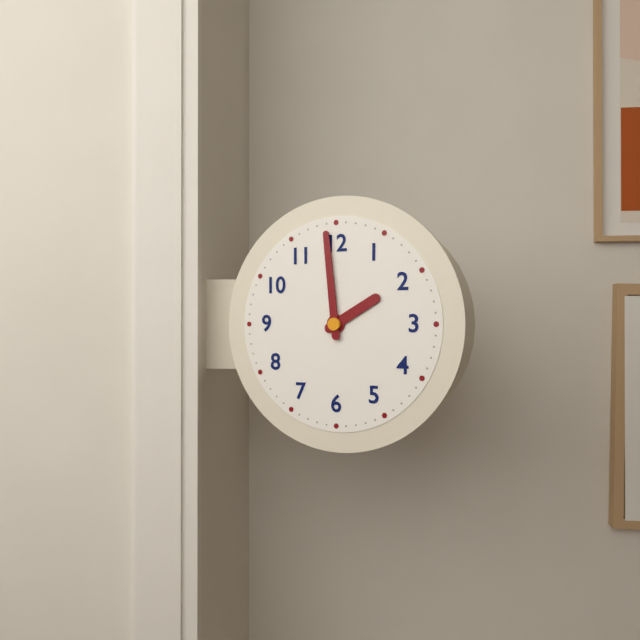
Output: 1h59
